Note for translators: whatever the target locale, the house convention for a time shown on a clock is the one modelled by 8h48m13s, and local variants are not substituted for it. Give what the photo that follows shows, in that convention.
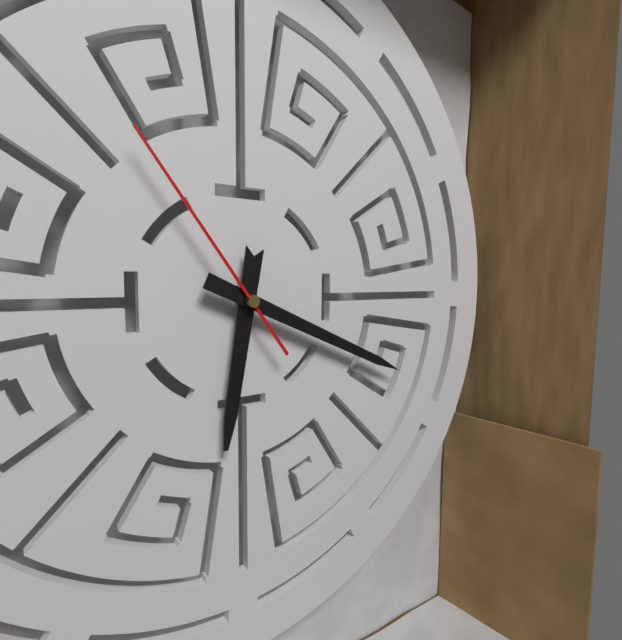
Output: 6h19m54s
